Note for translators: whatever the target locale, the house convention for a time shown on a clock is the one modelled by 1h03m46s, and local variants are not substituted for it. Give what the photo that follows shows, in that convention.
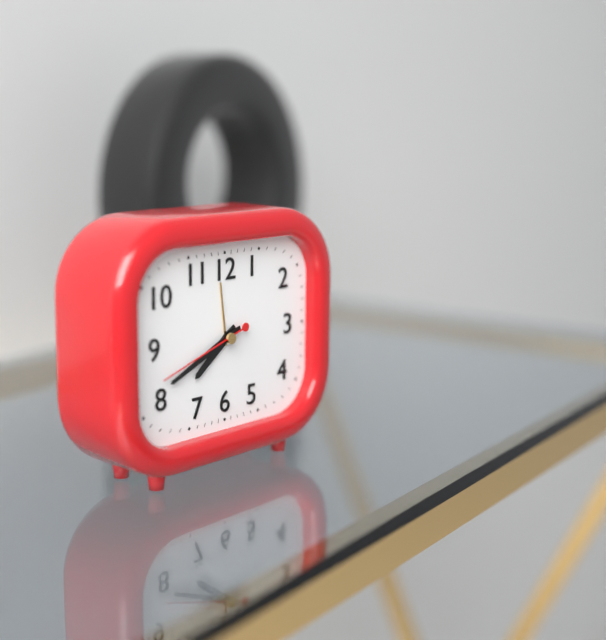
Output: 7h41m42s
